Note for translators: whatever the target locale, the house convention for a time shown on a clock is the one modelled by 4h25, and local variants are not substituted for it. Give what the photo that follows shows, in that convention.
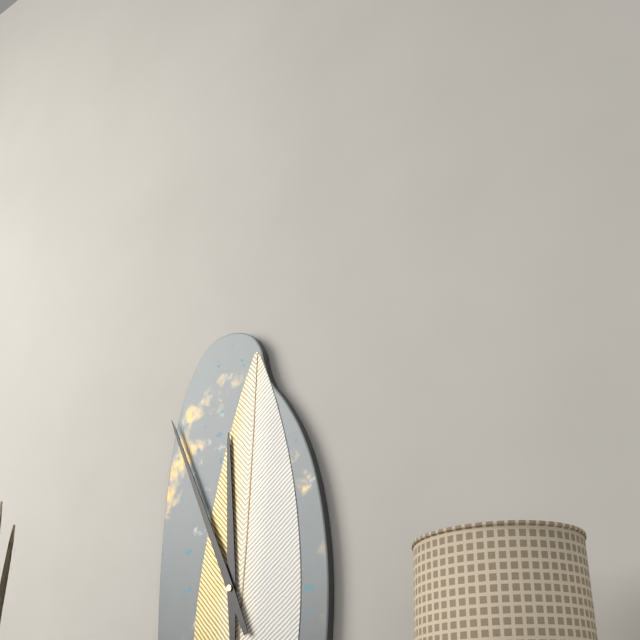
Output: 11h56
